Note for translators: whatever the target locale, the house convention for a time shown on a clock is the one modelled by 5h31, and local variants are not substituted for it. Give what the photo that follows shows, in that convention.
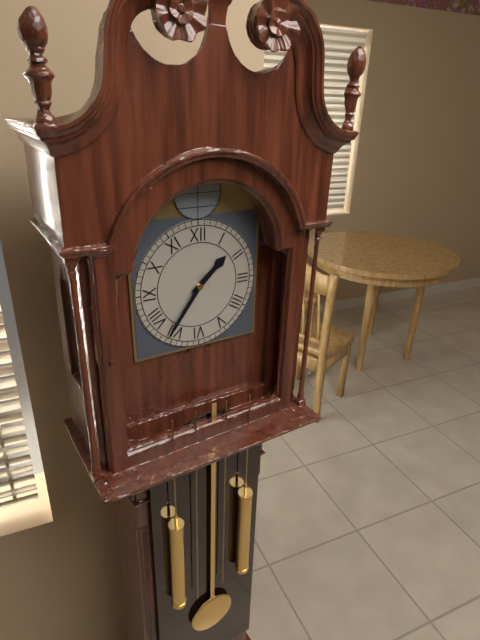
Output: 1h36
